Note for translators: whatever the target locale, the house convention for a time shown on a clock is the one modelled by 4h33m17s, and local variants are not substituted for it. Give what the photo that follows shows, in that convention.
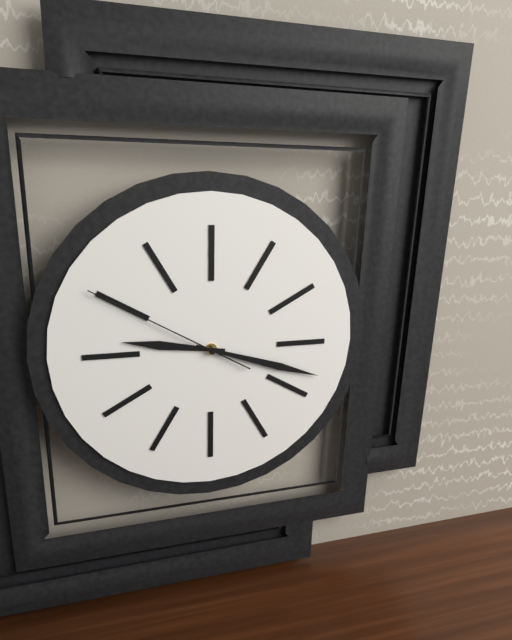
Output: 9h18m50s
